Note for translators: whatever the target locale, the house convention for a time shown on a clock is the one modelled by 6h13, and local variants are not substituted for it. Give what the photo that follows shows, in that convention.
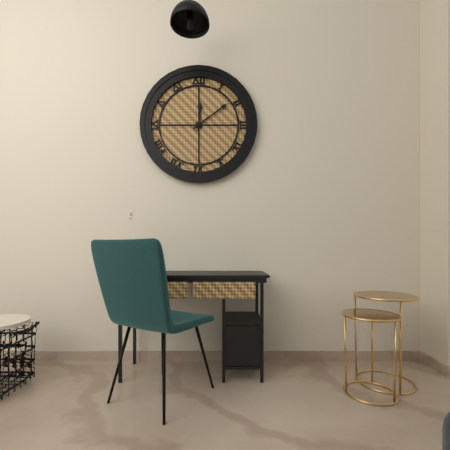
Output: 12h09
